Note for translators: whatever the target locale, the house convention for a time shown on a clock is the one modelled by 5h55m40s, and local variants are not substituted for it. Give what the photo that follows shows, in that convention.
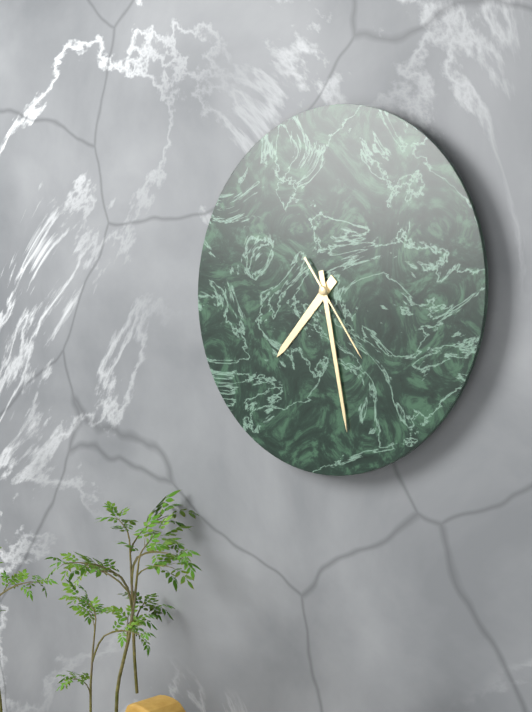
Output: 7h28m24s
